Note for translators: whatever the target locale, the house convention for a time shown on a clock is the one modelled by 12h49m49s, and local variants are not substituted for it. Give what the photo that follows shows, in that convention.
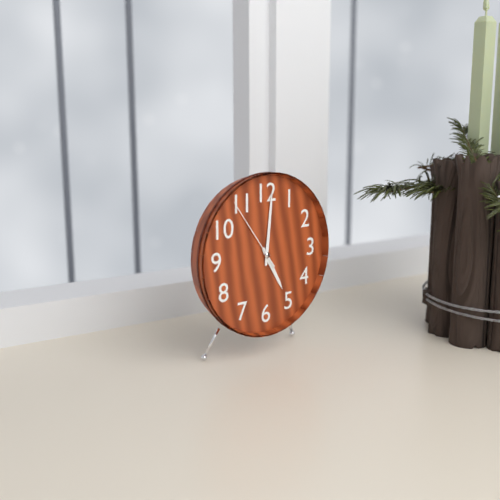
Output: 5h01m54s
